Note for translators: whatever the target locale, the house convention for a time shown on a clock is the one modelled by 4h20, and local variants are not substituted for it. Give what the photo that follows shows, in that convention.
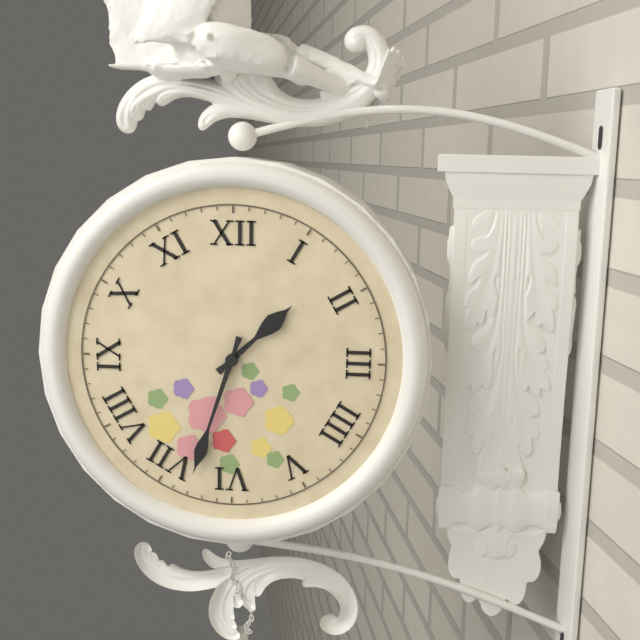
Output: 1h33
